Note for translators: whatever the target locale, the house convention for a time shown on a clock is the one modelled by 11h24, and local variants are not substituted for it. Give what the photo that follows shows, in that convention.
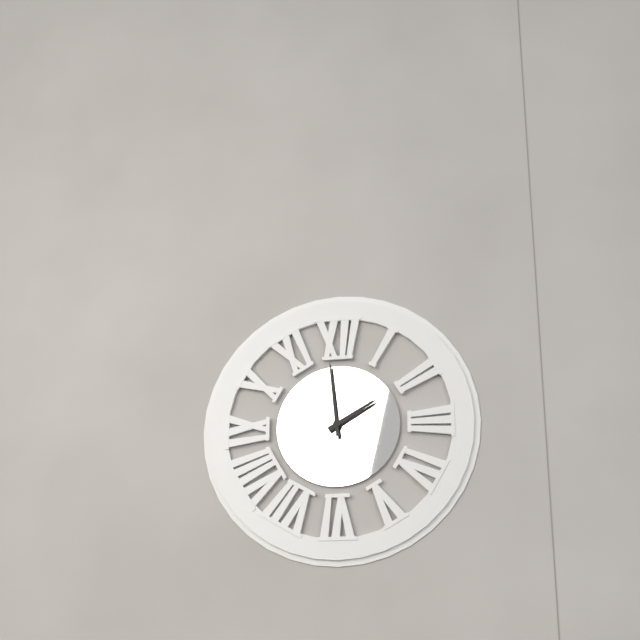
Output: 1h59
